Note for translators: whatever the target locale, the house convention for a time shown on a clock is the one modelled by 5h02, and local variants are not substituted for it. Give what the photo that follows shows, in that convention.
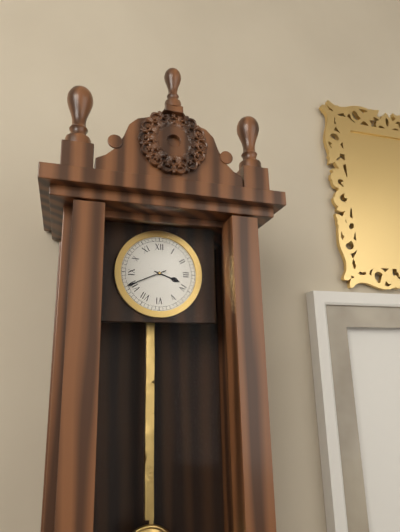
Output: 3h41
